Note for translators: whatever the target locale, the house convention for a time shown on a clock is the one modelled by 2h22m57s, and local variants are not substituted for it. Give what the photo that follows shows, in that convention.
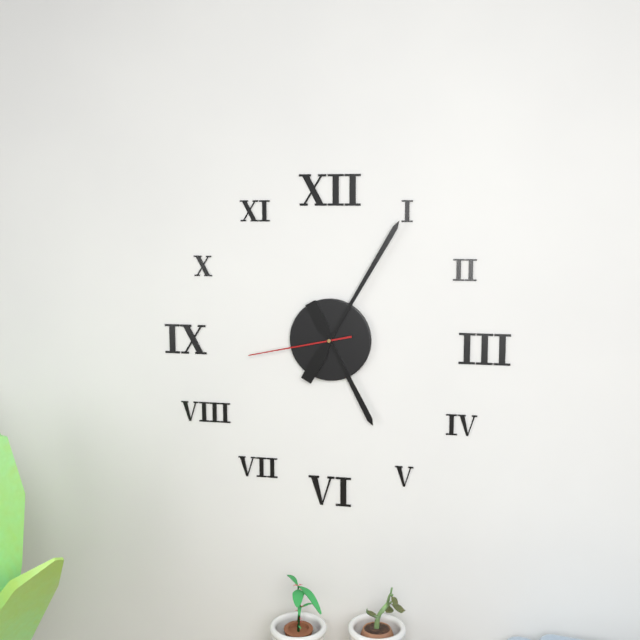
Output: 5h05m43s
